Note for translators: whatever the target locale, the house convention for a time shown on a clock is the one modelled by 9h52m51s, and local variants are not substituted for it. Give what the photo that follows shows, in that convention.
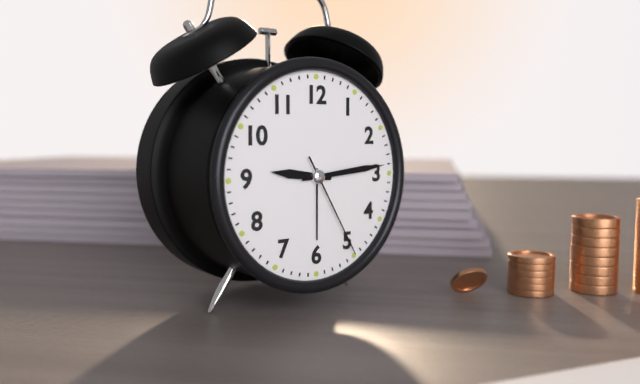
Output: 9h14m25s
